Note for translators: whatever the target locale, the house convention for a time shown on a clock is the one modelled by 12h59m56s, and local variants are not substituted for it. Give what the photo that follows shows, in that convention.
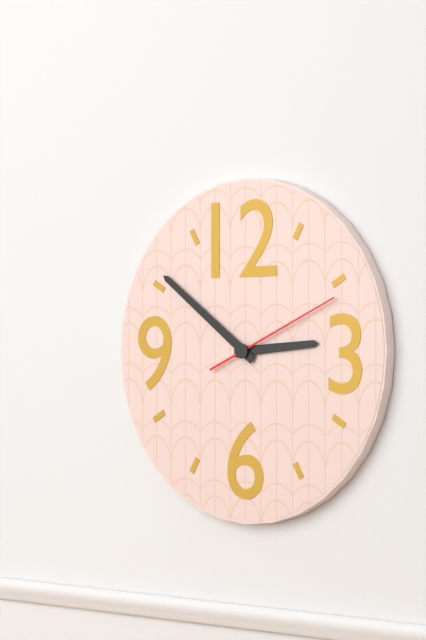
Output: 2h51m11s
